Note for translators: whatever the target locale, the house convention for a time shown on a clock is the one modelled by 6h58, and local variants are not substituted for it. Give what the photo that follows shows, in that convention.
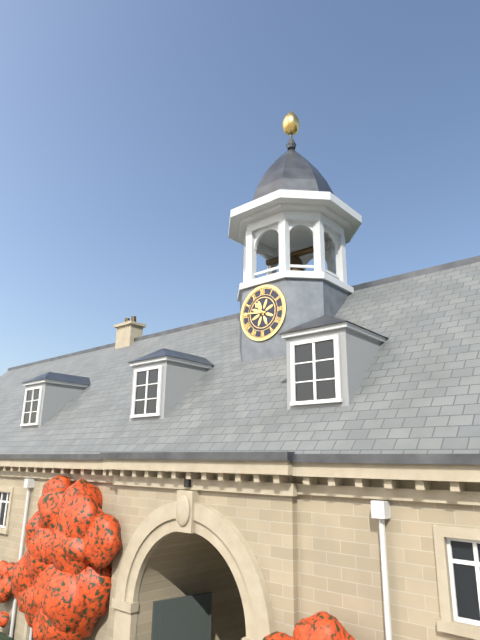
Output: 10h46
